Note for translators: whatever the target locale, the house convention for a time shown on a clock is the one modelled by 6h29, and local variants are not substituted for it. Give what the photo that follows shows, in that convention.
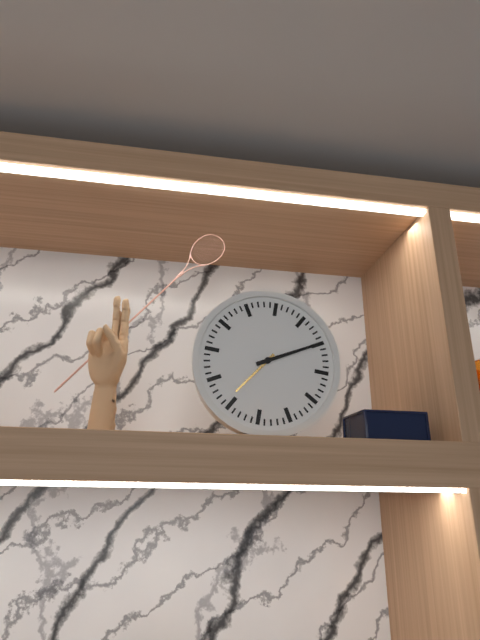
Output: 7h10
